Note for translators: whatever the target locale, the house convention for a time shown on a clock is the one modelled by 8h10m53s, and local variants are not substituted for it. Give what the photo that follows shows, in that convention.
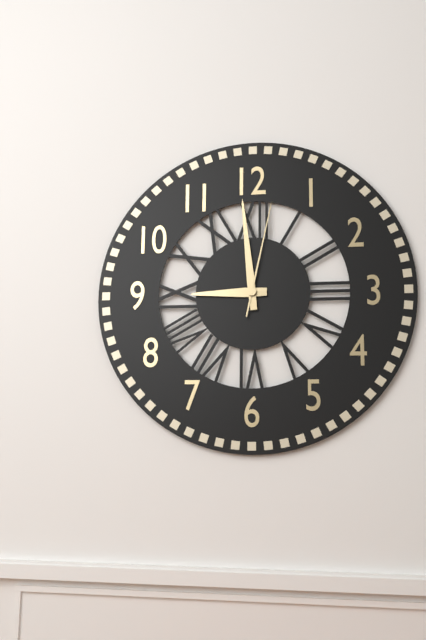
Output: 8h59m02s
